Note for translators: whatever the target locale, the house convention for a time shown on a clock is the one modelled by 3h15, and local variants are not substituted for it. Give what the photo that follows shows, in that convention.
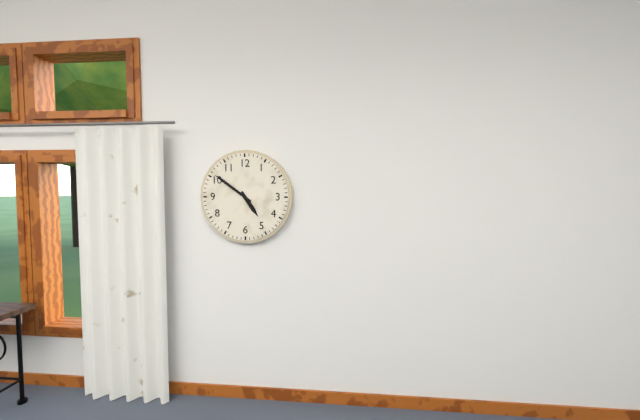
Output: 4h51
